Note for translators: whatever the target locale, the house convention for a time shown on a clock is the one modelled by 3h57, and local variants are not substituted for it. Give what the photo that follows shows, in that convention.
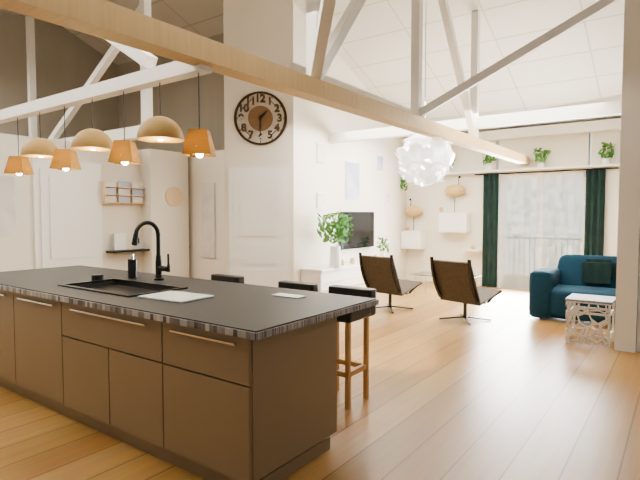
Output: 1h30
